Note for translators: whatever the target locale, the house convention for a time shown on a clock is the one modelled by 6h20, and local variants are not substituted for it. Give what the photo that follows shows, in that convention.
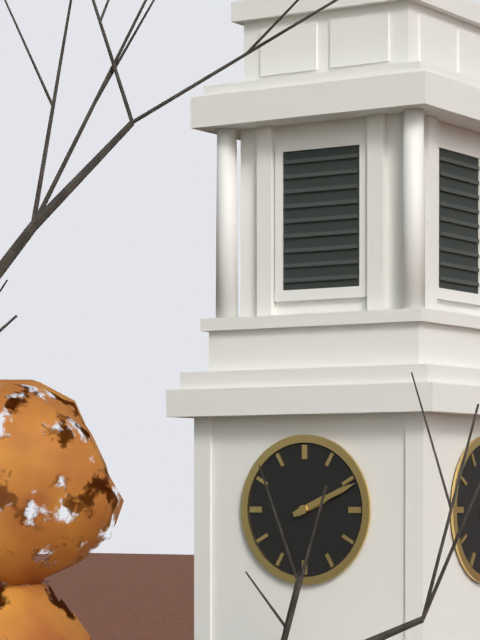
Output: 2h11
